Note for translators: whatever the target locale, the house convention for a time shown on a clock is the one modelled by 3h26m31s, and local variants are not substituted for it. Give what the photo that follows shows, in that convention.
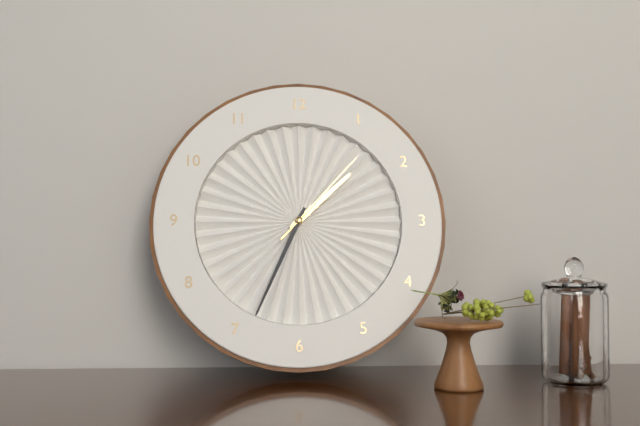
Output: 1h34m07s
